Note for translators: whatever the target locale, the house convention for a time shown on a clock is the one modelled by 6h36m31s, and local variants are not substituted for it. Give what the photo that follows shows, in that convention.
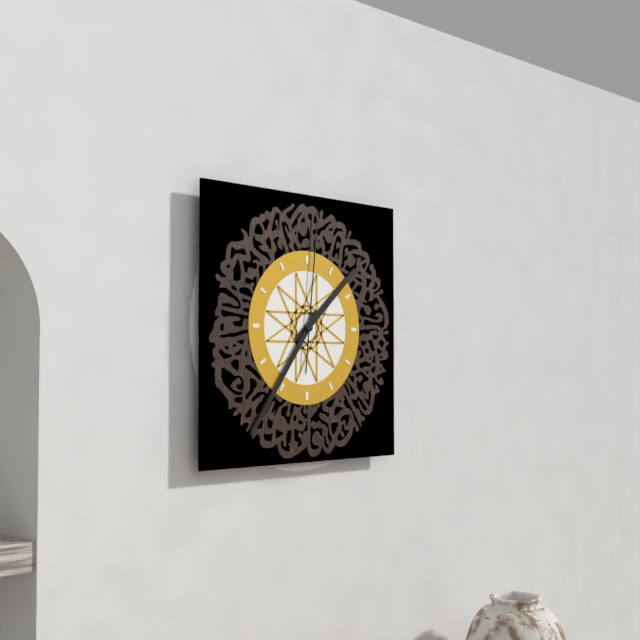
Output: 1h36m01s
